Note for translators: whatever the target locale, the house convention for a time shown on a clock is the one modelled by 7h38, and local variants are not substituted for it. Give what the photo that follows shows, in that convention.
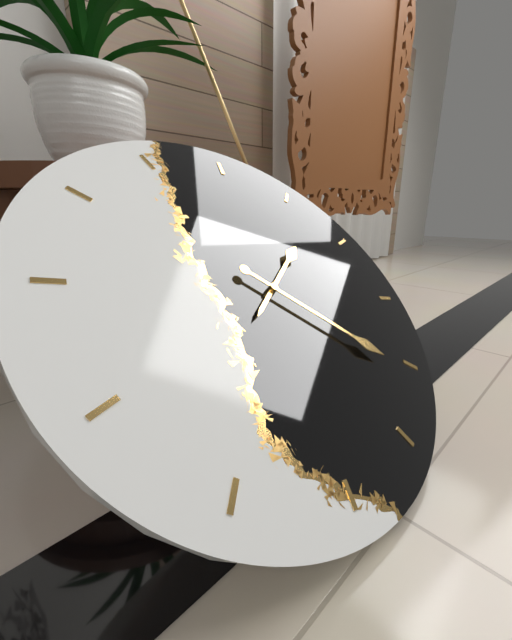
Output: 2h26
